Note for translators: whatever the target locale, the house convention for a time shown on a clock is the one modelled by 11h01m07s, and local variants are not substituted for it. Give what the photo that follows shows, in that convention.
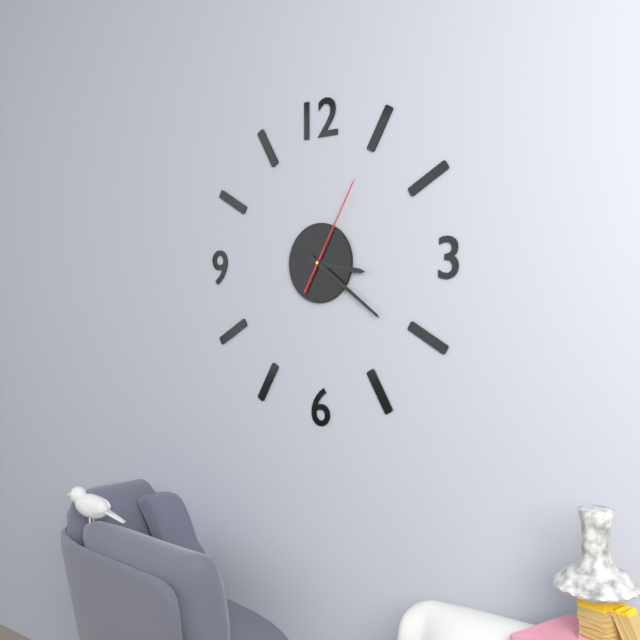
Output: 3h21m05s
